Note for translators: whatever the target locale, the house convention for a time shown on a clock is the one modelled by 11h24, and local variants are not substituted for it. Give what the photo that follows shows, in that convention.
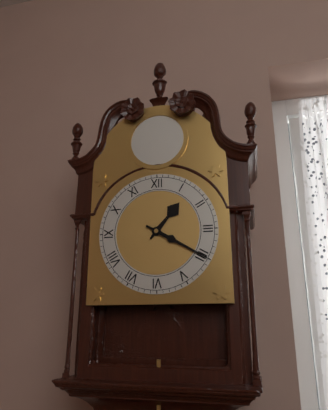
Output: 1h20
